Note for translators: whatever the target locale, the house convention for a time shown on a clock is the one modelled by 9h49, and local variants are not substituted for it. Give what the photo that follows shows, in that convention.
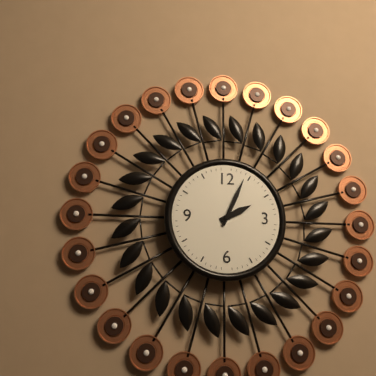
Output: 2h04
